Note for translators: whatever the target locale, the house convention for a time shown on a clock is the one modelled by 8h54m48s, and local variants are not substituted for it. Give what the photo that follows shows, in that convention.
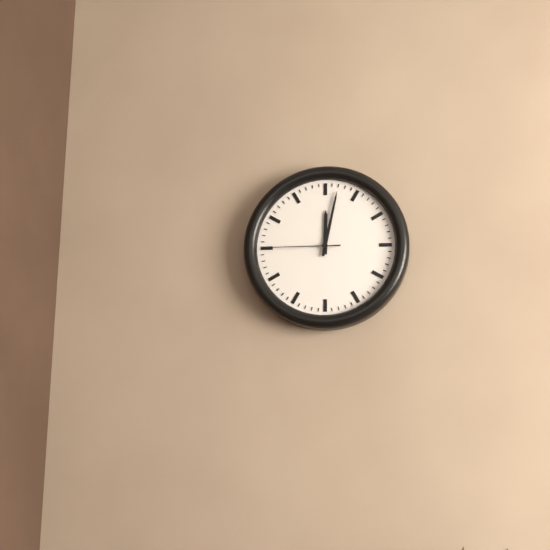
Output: 12h02m45s
